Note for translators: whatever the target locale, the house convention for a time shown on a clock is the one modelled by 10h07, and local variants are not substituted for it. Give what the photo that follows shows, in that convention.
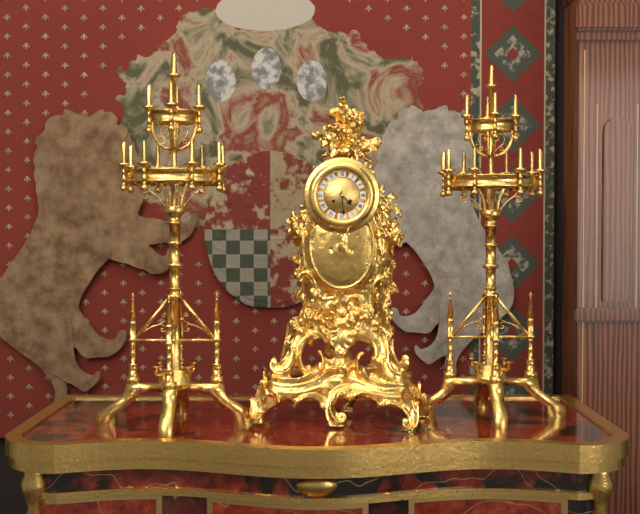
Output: 4h29
